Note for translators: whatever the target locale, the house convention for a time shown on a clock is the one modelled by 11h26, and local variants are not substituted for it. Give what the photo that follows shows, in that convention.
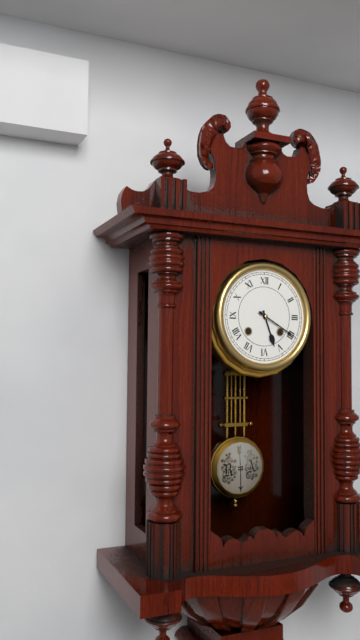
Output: 5h20
